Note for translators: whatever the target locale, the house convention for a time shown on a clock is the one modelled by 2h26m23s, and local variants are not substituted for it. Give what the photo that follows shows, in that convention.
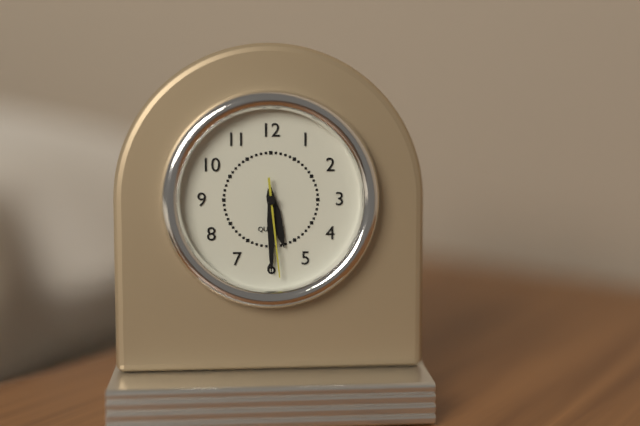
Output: 5h30m29s
